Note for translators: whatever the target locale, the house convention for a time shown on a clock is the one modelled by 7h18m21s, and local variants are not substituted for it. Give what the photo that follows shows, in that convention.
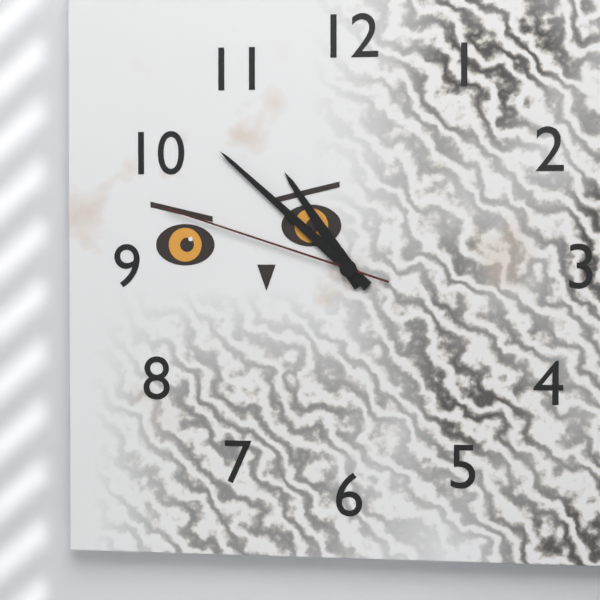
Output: 10h52m48s
